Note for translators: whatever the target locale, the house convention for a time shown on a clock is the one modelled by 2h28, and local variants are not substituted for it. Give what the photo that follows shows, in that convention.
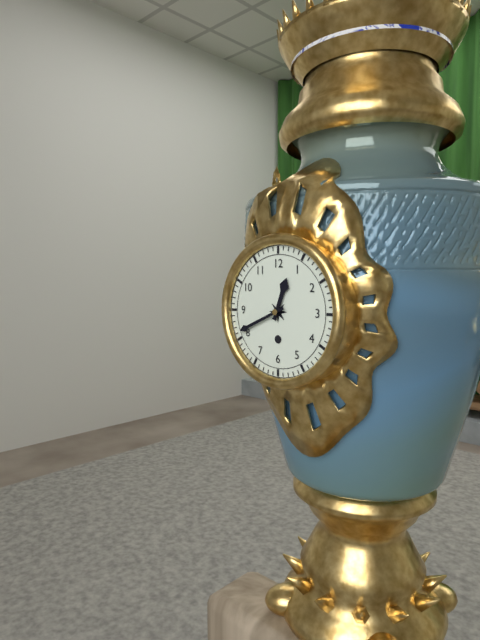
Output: 12h41
